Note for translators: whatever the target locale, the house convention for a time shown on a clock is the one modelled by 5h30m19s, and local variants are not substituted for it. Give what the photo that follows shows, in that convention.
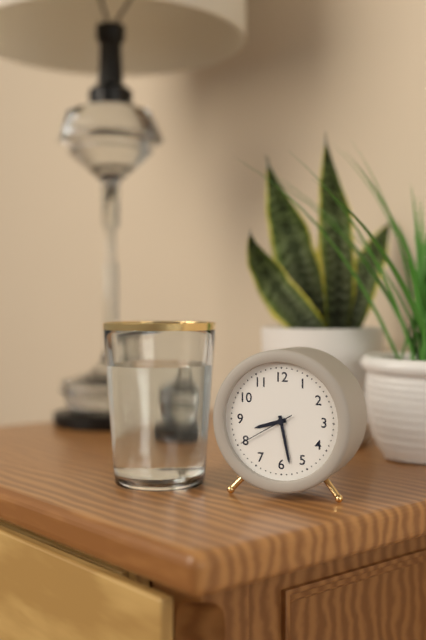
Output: 8h28m40s
